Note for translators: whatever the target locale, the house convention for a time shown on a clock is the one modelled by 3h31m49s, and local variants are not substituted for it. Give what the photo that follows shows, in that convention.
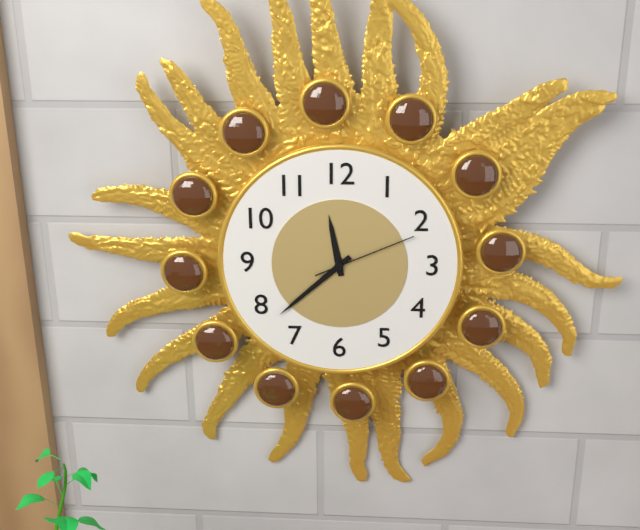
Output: 11h38m11s
